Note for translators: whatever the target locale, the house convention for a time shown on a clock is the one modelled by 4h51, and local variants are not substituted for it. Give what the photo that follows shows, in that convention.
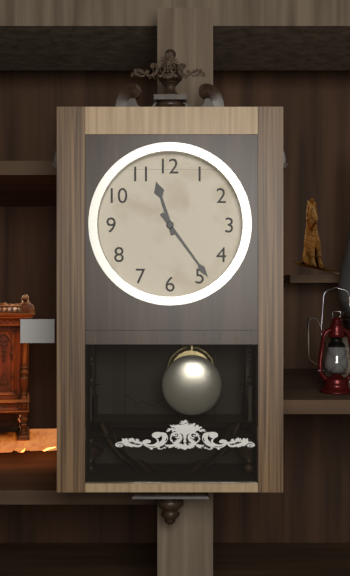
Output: 11h24
